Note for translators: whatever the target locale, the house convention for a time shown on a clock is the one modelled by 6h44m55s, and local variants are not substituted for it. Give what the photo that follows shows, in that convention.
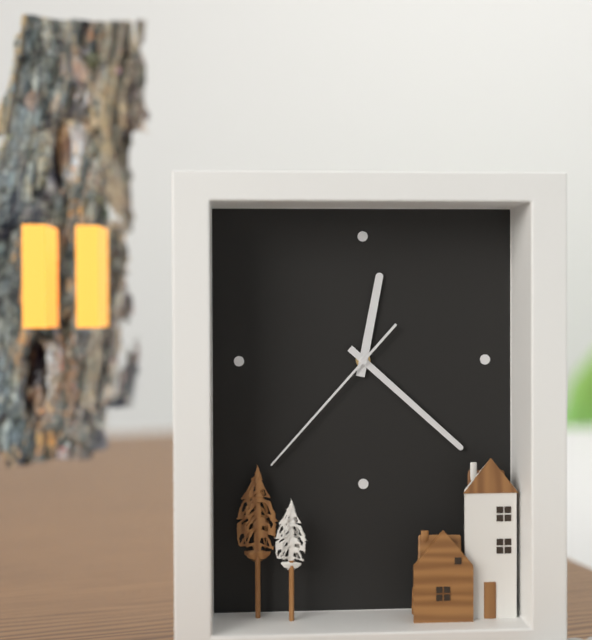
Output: 12h22m37s
